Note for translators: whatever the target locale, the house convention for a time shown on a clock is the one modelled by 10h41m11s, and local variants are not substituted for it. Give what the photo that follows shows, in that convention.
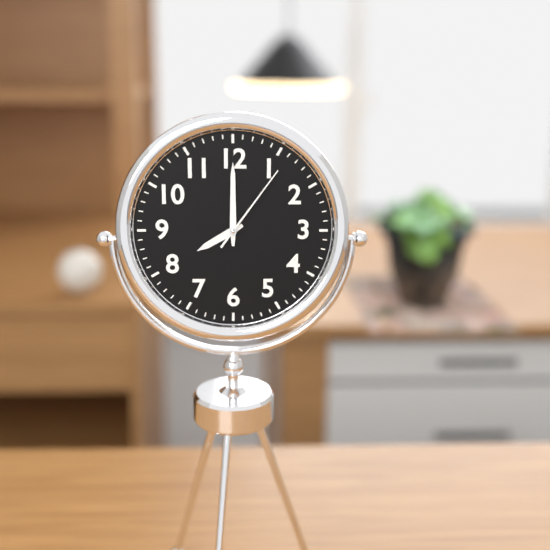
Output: 8h00m06s
